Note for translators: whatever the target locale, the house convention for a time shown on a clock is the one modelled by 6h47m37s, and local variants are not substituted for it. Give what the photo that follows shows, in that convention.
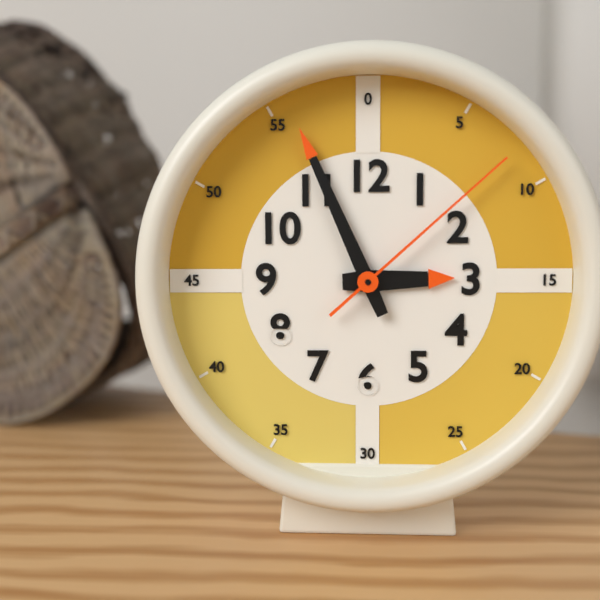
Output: 2h56m08s
